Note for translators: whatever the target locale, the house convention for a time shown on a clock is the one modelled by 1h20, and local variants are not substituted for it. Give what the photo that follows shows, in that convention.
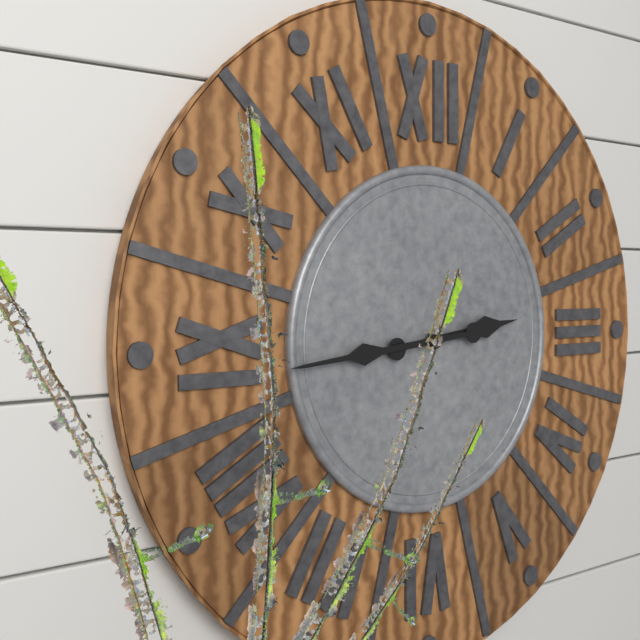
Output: 2h44
